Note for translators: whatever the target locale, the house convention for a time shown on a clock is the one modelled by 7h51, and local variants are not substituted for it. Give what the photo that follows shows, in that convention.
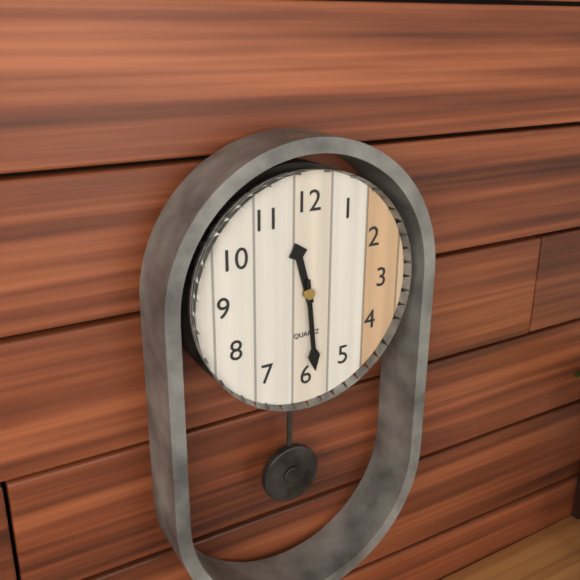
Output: 11h29
